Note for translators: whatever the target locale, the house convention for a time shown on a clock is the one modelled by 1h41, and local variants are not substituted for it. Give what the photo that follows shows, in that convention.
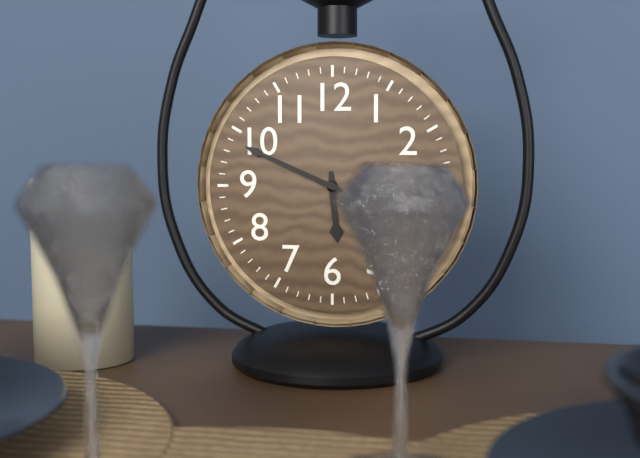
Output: 5h49
